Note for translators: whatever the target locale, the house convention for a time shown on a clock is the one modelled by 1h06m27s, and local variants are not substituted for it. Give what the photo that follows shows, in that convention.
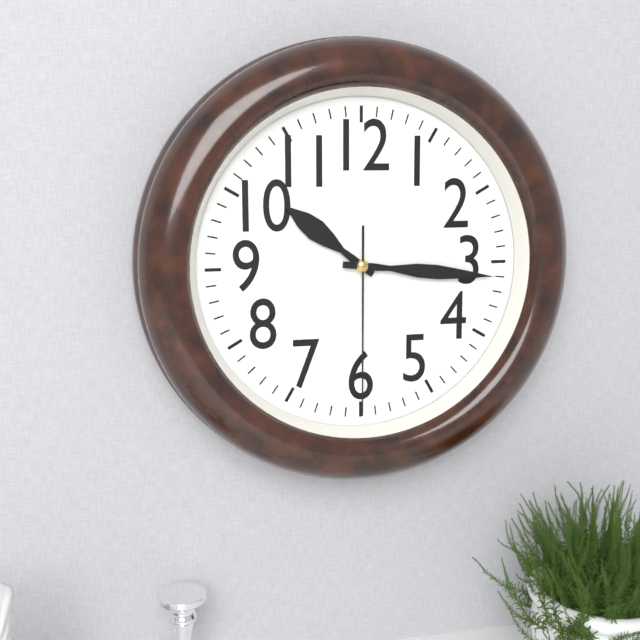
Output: 10h16m30s
